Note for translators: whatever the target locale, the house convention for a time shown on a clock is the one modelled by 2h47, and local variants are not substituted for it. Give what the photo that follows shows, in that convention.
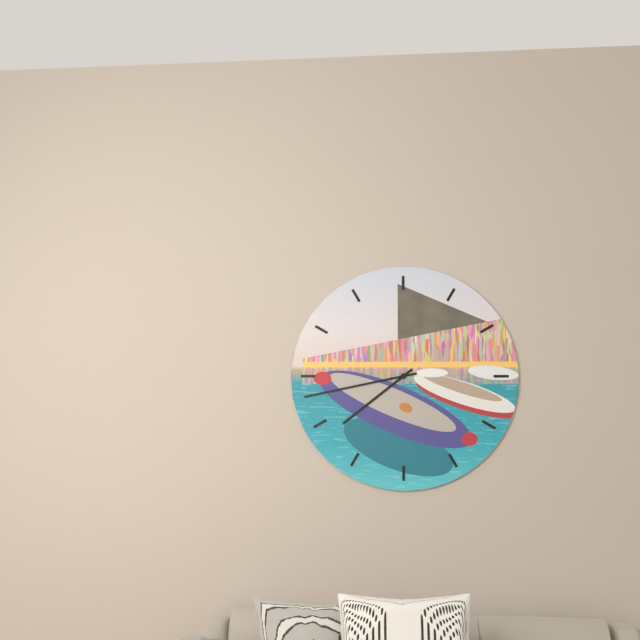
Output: 7h43
